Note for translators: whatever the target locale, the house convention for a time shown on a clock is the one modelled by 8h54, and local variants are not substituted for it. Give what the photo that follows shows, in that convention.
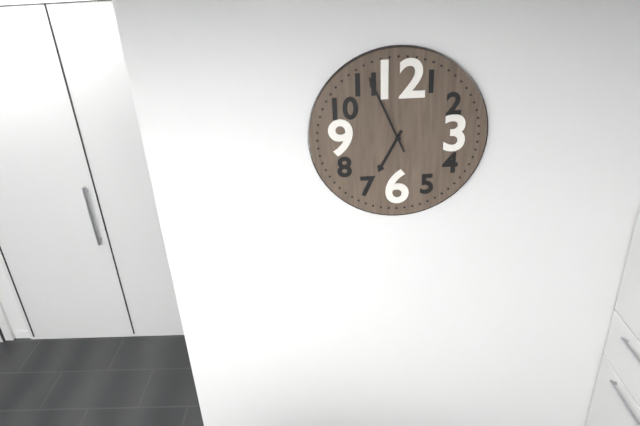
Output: 6h56
